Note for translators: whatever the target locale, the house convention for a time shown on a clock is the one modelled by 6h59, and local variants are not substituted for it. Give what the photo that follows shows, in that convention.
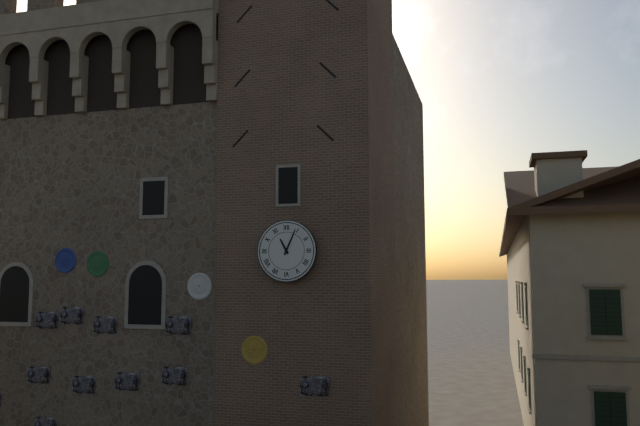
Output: 11h04
